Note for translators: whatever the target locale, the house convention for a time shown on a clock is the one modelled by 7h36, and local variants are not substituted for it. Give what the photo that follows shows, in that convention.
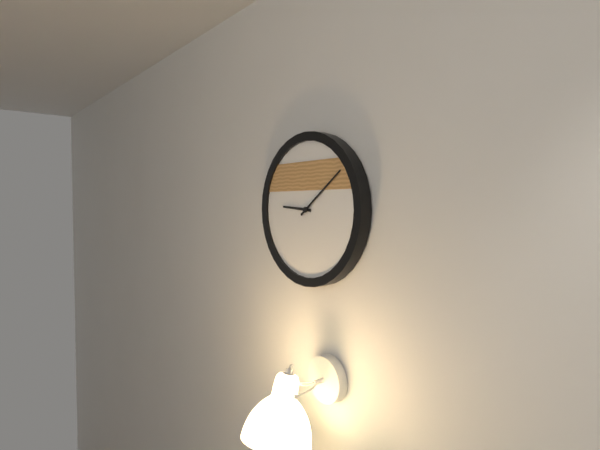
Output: 9h09
